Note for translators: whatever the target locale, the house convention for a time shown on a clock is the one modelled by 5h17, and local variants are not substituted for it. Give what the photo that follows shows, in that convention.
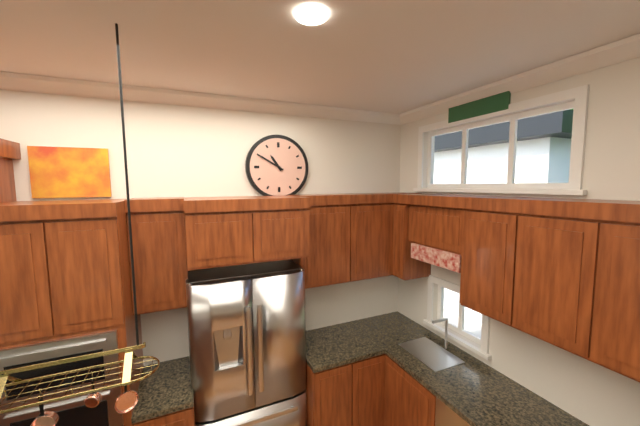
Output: 10h50
